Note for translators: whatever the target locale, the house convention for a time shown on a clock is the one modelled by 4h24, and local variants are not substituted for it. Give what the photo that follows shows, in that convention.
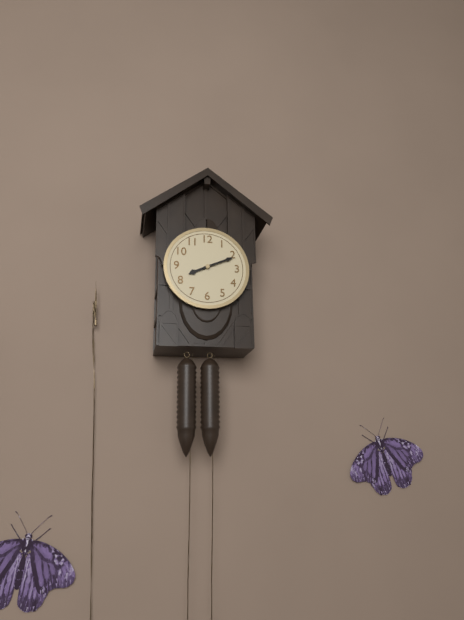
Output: 8h11
